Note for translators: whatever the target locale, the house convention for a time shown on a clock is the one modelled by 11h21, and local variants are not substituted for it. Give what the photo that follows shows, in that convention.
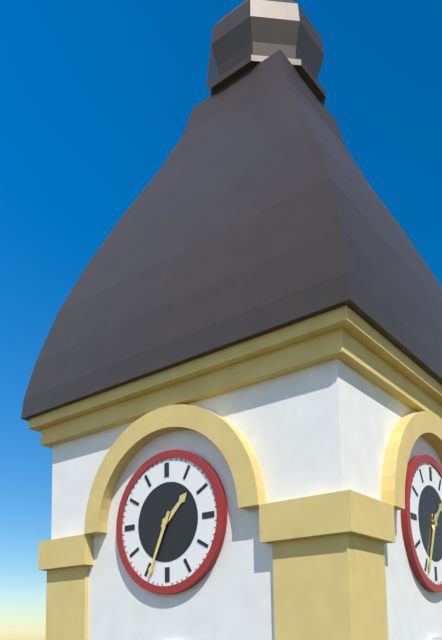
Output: 1h34
